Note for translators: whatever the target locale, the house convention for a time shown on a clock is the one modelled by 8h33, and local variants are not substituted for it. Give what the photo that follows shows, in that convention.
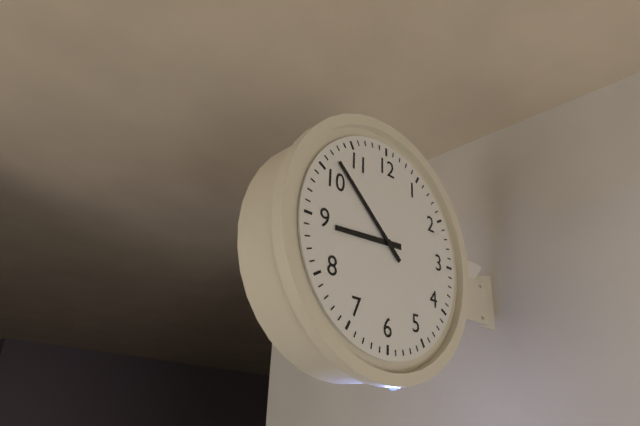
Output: 8h52
